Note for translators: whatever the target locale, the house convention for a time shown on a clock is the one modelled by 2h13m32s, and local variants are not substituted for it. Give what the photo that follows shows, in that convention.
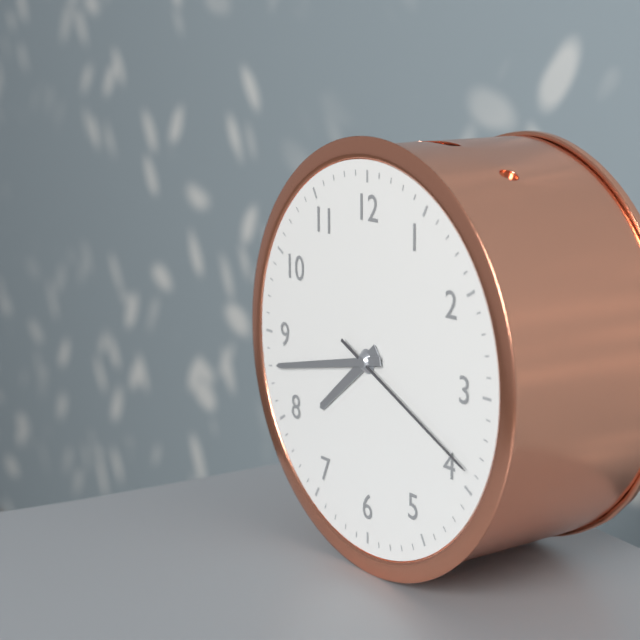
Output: 7h43m19s
